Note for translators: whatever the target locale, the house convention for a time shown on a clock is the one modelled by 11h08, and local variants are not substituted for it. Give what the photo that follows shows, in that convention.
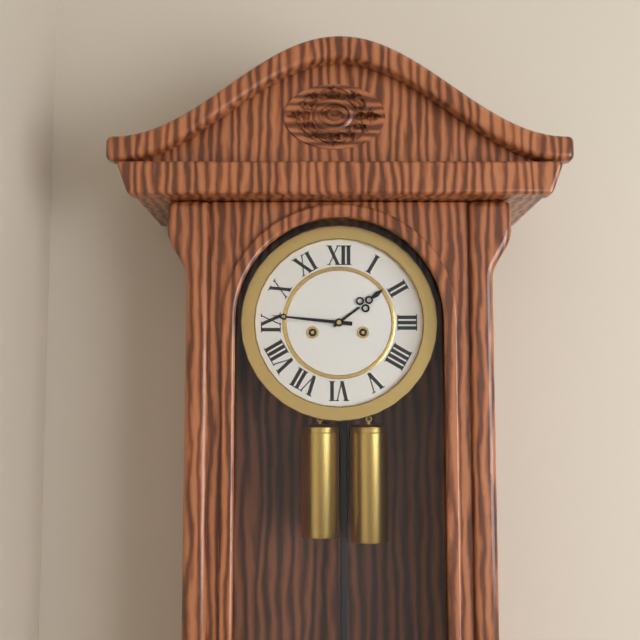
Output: 1h46
